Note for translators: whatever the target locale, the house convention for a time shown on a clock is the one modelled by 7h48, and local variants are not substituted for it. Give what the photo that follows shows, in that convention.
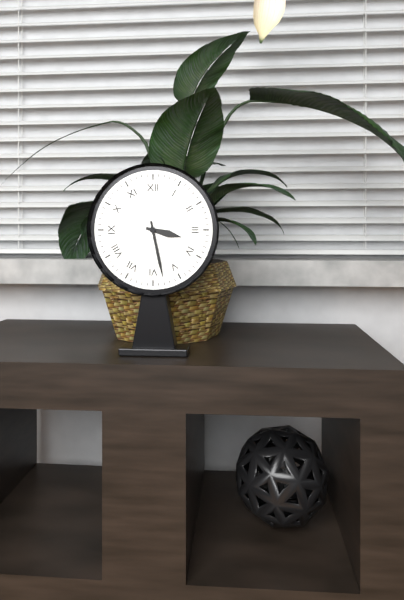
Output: 3h28
